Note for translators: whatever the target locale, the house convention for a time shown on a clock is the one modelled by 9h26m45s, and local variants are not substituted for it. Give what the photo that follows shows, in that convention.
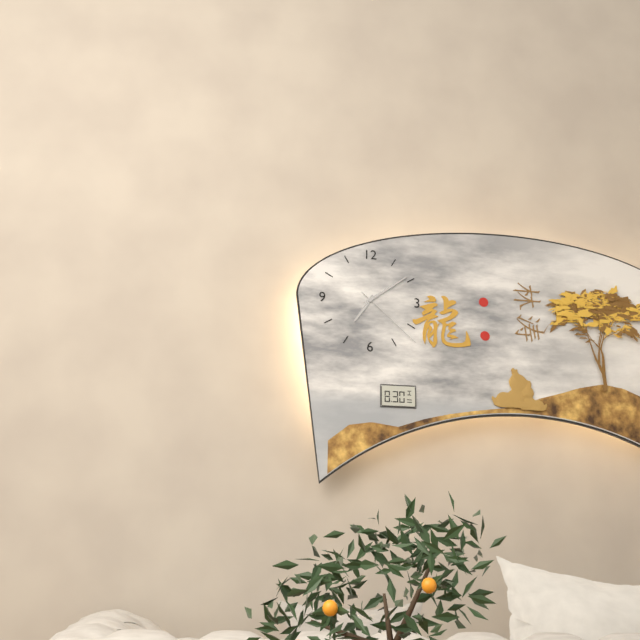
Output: 7h09m22s
